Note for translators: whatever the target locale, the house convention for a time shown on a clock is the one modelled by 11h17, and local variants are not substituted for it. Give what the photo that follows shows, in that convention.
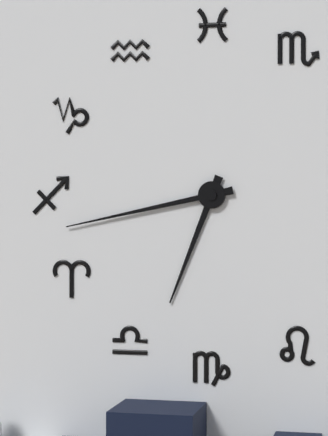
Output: 6h43
